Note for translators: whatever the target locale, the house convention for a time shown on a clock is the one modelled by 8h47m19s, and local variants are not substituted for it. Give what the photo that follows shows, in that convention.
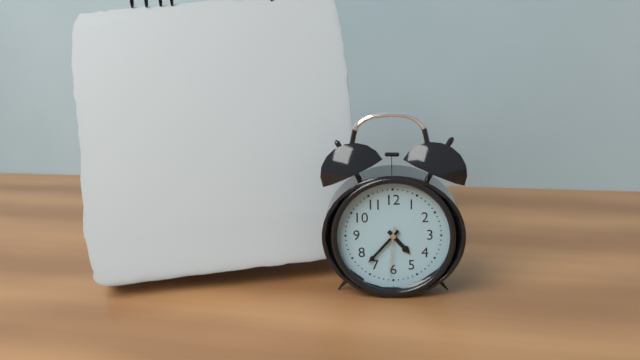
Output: 4h37m31s
